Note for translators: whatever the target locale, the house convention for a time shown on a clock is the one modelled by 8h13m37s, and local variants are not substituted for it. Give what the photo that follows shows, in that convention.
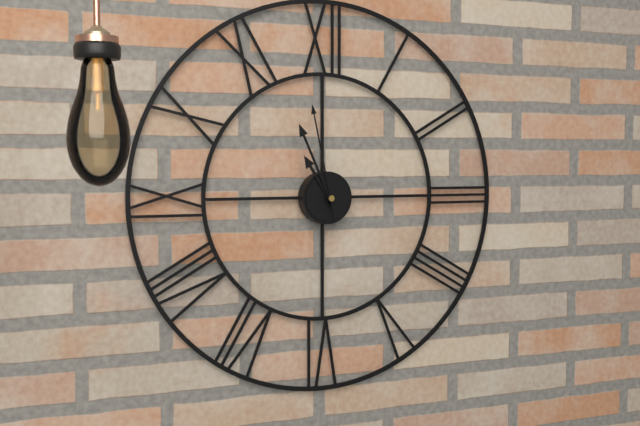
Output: 10h56m58s
